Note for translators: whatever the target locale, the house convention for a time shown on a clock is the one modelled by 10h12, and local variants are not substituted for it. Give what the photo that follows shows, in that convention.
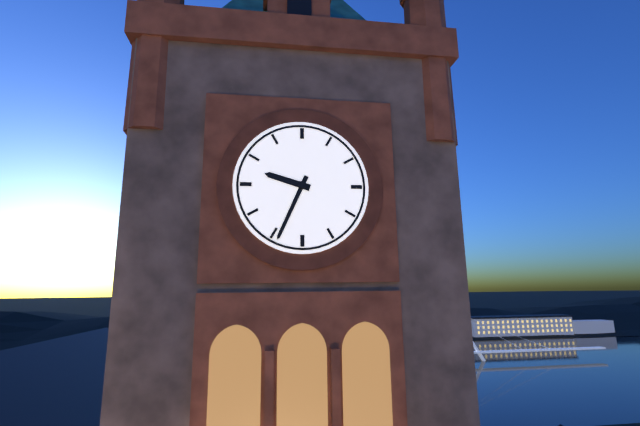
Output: 9h34
